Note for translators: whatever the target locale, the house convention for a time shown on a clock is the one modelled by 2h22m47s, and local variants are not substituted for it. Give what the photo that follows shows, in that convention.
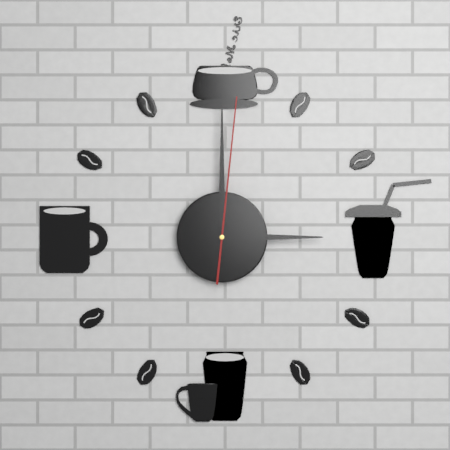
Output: 3h00m01s
